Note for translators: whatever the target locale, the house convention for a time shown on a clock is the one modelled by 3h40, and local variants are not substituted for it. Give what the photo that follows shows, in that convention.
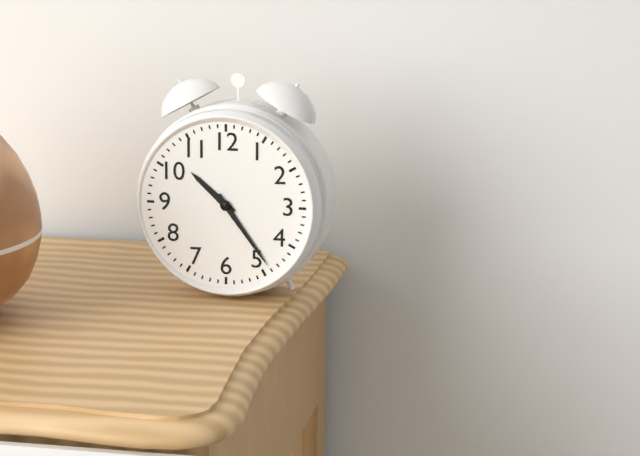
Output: 10h24
